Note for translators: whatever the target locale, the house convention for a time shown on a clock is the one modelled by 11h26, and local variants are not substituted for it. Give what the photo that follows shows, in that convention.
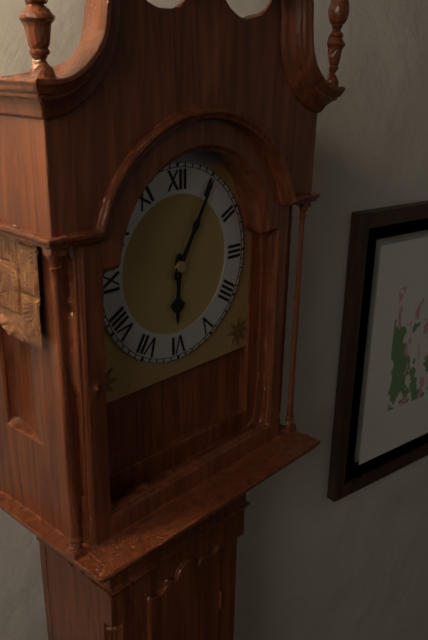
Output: 6h05
